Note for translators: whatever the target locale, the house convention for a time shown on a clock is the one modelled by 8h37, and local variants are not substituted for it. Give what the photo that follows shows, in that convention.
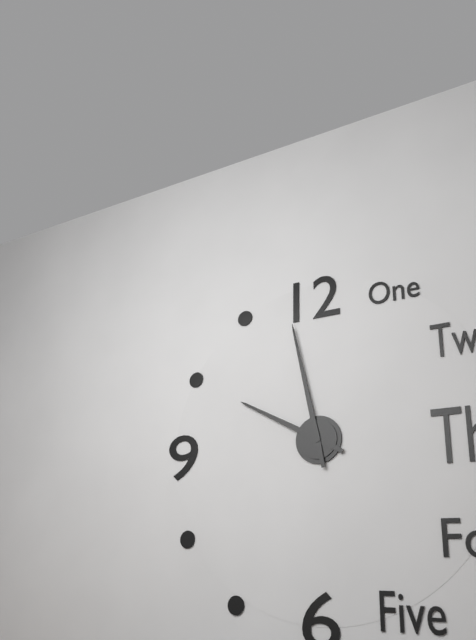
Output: 9h58
